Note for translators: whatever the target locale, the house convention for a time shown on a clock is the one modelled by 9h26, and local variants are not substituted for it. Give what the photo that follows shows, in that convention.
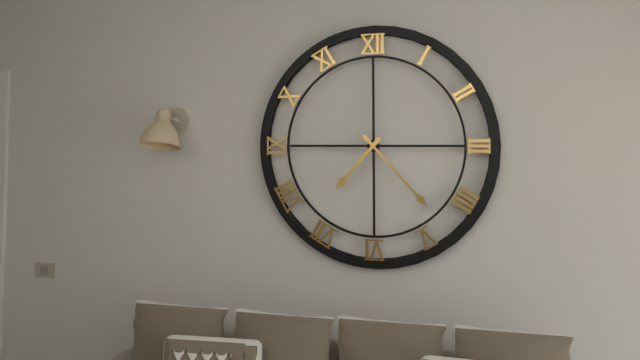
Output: 7h23
